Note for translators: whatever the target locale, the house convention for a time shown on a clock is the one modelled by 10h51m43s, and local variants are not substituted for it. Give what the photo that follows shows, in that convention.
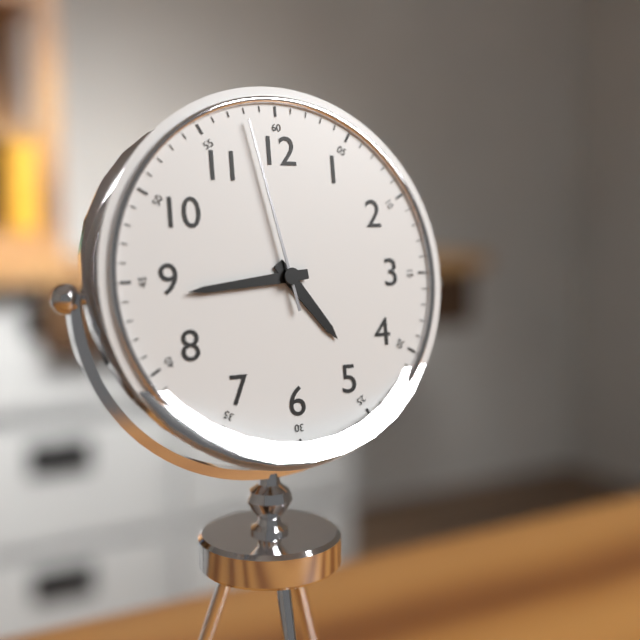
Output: 4h44m58s
